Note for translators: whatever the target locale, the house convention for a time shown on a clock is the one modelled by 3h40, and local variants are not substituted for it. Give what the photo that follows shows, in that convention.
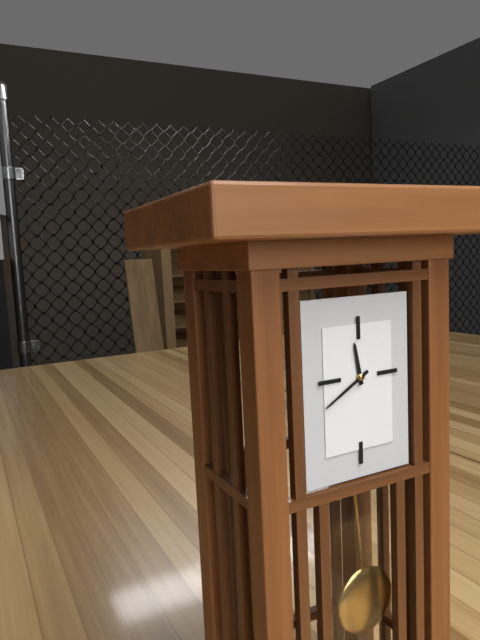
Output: 11h40
